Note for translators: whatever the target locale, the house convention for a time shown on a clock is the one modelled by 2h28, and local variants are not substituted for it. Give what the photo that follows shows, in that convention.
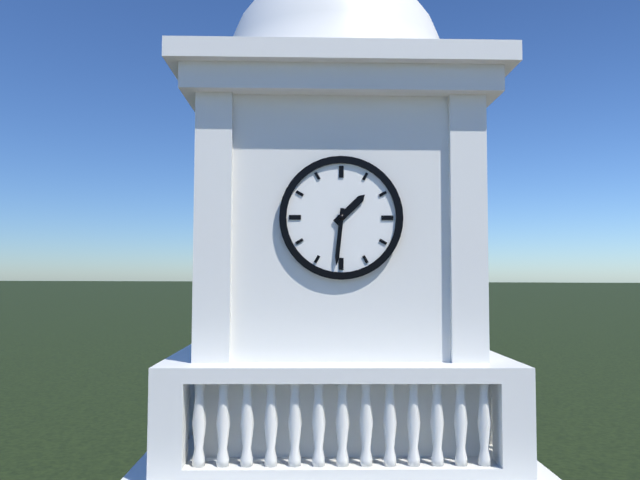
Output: 1h31
